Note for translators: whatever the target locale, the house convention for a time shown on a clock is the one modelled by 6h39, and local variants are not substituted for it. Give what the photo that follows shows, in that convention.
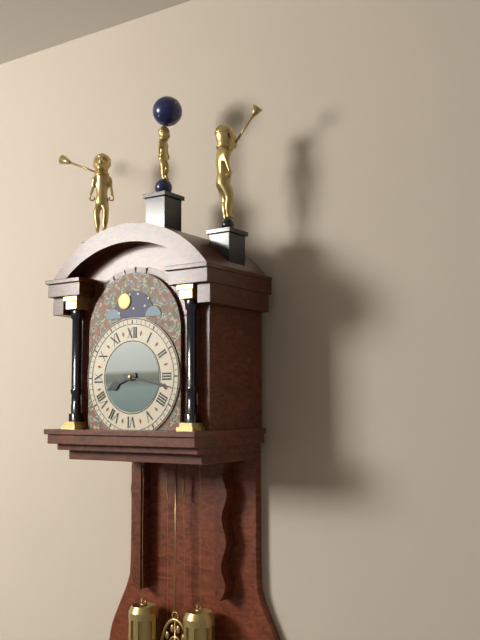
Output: 8h17
